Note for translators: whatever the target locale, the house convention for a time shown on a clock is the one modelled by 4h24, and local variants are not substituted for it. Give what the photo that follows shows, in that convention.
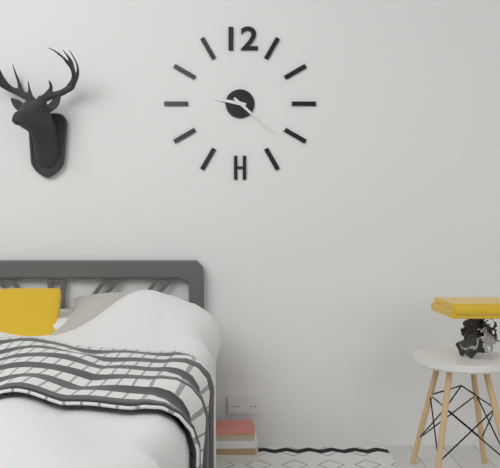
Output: 9h22
